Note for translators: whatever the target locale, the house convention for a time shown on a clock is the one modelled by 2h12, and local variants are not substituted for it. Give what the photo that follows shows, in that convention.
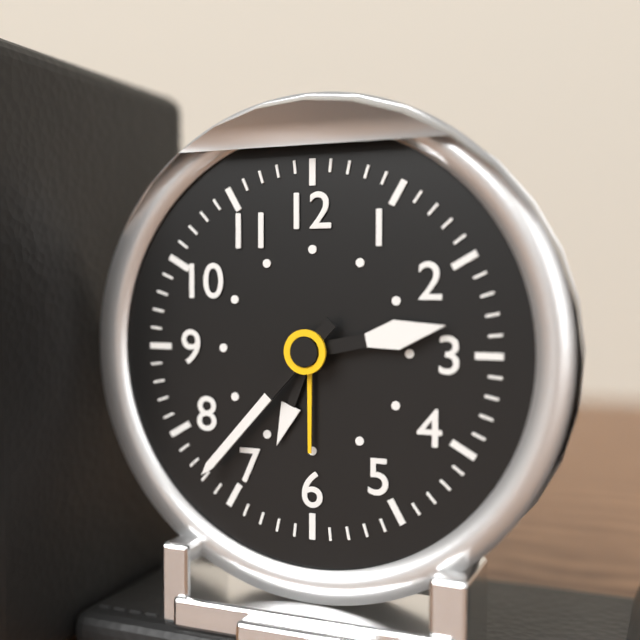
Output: 2h37
